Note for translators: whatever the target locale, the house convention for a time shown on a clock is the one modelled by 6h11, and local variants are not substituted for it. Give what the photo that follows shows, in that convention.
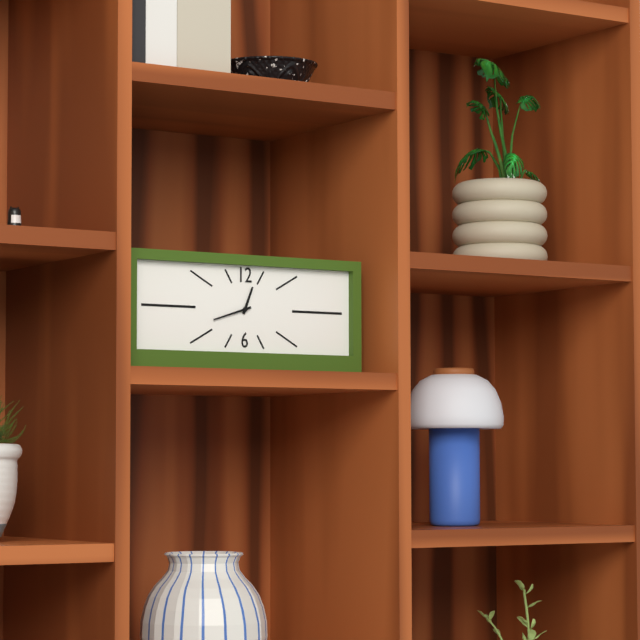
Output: 12h42
